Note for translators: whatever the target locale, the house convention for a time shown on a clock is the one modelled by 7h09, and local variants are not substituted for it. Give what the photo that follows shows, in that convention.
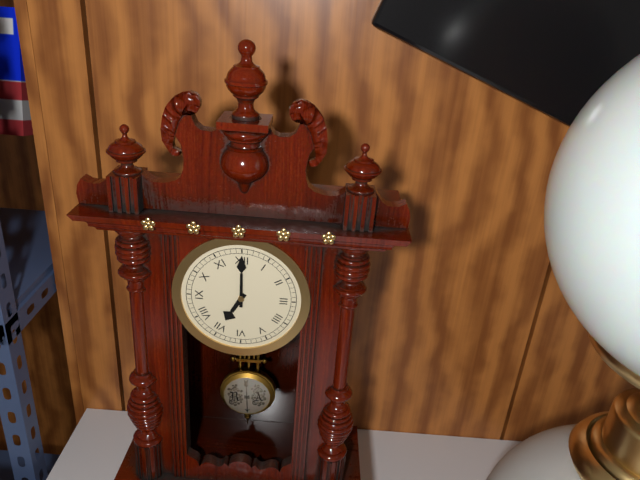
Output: 7h00
